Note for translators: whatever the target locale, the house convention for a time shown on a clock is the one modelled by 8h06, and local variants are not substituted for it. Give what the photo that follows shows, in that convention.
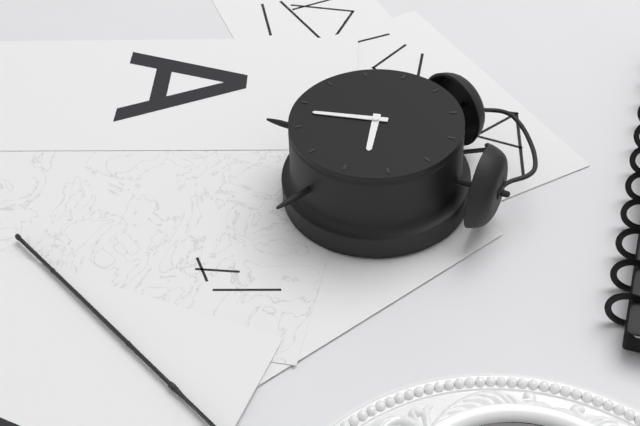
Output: 3h33
